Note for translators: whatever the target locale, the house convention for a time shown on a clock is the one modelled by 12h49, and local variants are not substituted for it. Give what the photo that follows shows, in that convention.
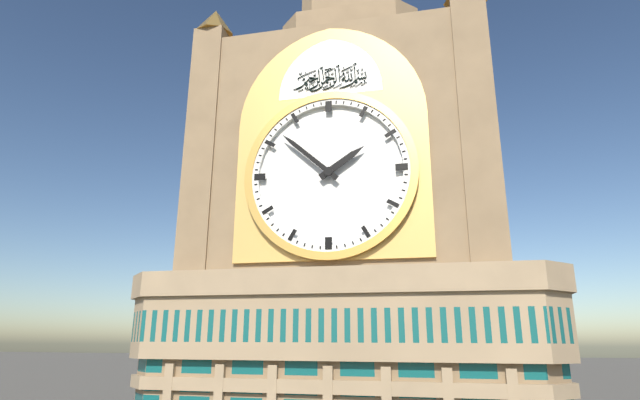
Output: 1h52
